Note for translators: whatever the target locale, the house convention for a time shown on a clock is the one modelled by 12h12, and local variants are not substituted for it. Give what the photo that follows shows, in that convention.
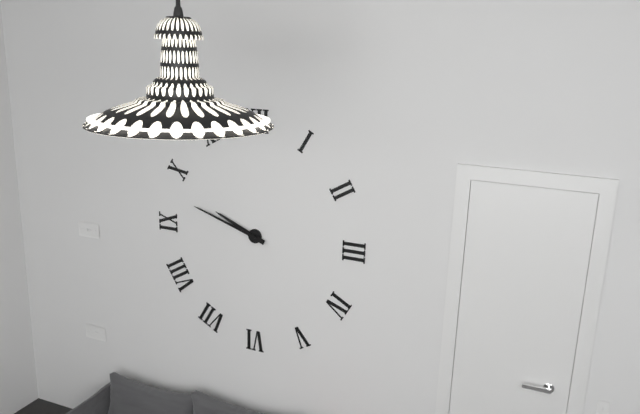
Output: 9h48
